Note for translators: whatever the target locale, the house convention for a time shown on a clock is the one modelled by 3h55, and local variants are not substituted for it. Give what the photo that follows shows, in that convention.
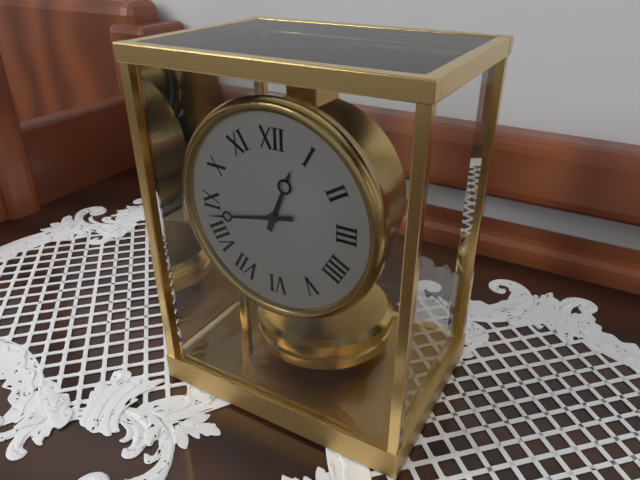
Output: 12h43
